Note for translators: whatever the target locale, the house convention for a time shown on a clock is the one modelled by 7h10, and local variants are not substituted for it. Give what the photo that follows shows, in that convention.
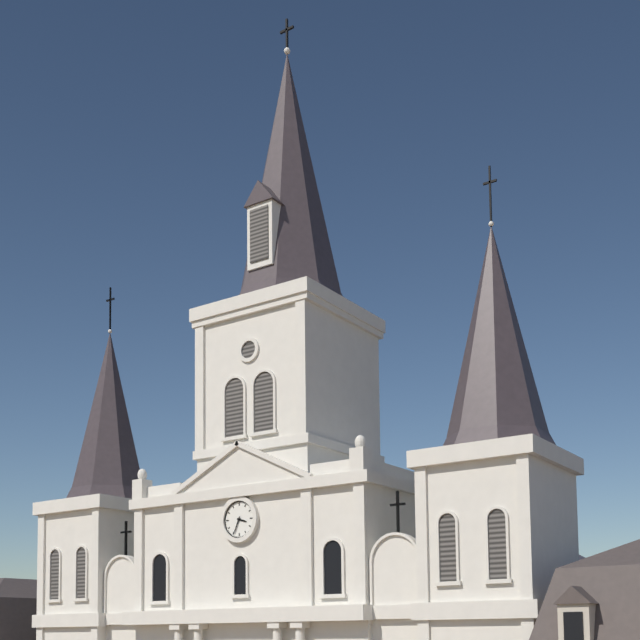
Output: 3h34
